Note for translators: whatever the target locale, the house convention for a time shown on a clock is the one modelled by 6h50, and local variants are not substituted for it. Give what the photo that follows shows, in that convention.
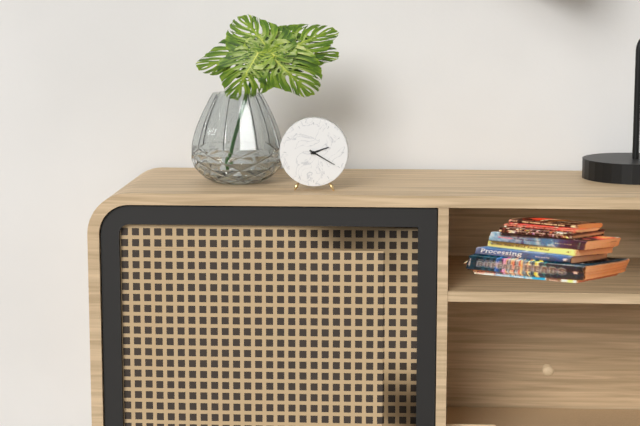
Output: 2h20
